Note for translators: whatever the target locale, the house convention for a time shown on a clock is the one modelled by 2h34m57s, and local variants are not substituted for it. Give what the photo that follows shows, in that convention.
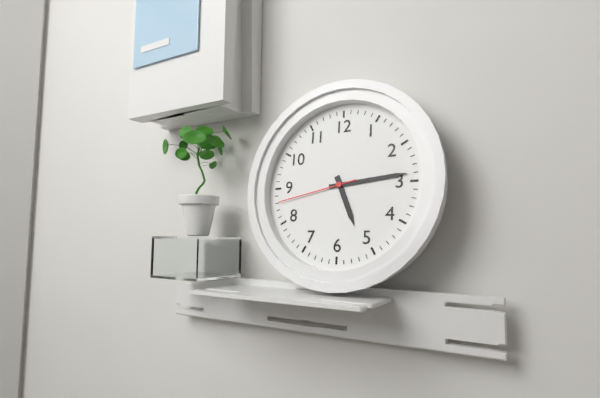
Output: 5h14m43s
